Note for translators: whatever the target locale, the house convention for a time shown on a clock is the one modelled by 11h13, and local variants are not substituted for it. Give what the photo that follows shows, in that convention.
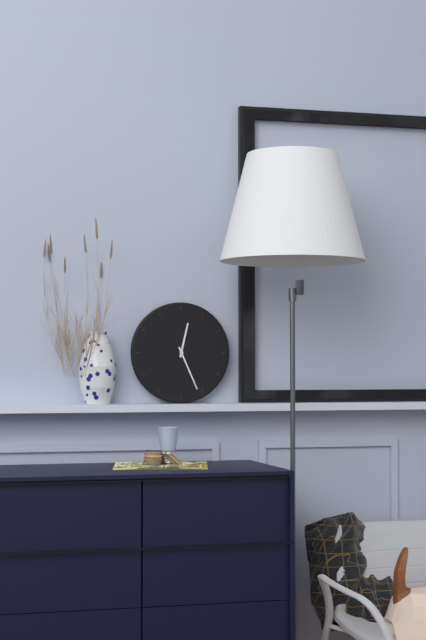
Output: 12h26
